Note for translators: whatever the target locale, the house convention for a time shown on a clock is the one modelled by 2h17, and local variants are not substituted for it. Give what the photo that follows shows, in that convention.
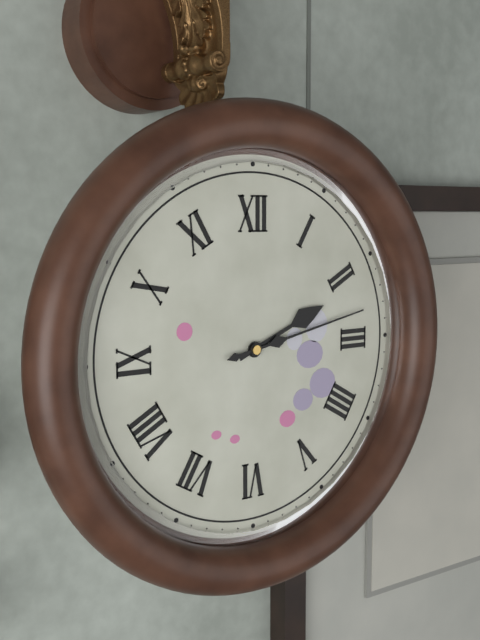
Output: 2h13
